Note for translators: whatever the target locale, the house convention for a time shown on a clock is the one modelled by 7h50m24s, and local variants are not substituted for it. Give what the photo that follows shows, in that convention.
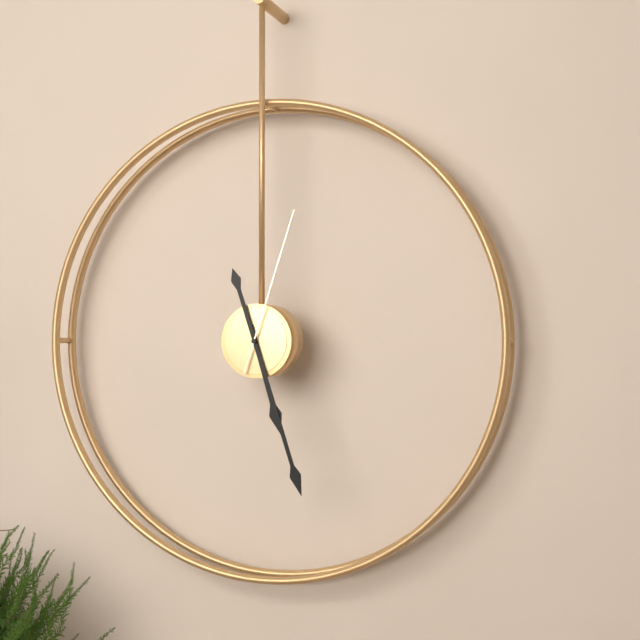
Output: 5h27m03s
